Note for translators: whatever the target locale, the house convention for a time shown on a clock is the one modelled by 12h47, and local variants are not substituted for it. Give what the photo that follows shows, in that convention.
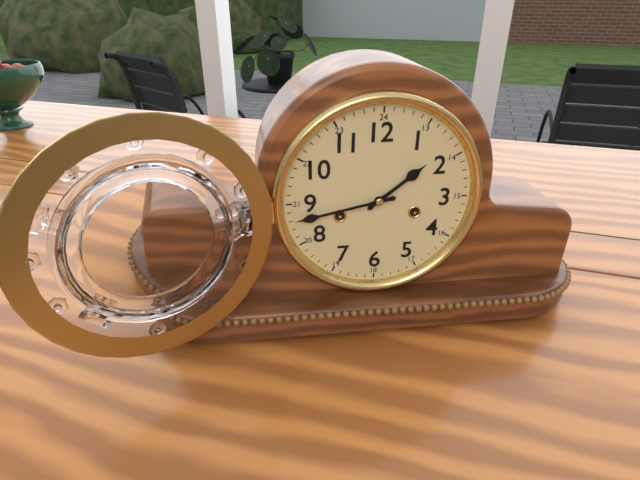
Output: 1h43
